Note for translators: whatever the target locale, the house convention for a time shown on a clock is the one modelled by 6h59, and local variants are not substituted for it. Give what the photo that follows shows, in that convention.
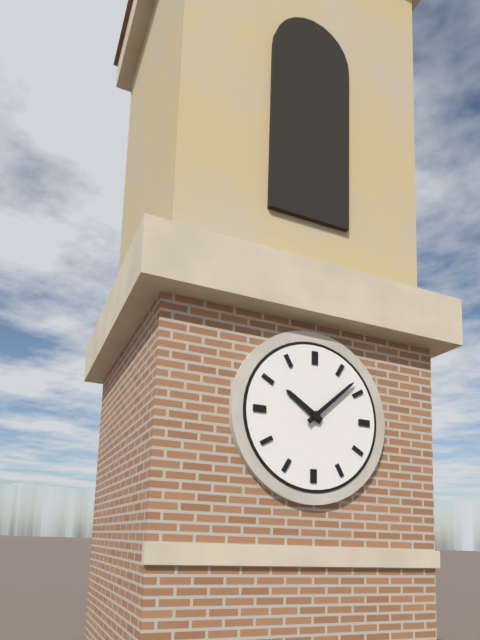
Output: 10h08
